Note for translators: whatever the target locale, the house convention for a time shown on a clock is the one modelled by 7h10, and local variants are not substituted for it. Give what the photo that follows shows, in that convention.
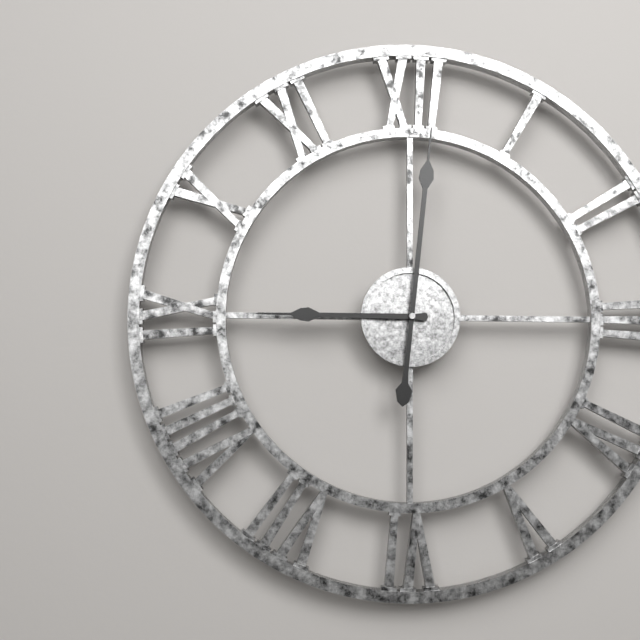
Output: 9h01
